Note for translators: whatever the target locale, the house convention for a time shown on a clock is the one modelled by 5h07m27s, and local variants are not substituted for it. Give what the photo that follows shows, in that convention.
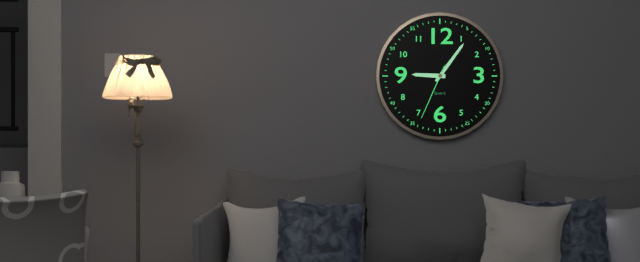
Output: 9h06m34s
